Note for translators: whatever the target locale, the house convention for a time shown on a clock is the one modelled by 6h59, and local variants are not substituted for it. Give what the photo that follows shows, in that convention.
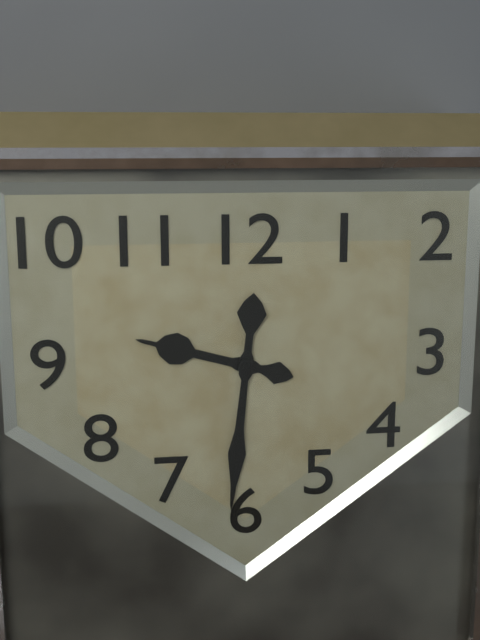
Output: 9h31
